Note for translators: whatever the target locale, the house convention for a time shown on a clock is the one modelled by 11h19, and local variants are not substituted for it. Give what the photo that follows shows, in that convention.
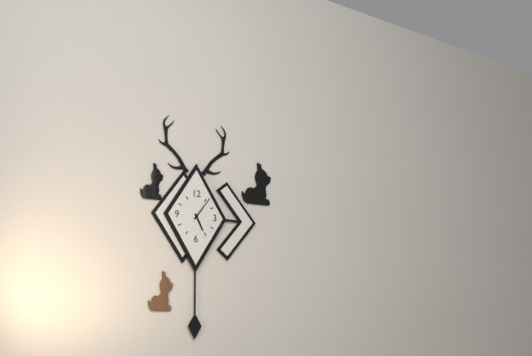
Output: 5h06
